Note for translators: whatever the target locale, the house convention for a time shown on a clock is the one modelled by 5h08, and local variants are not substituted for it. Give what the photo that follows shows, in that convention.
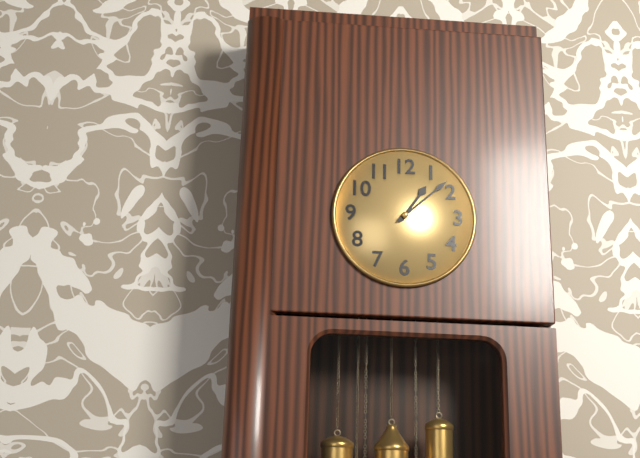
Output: 1h08
